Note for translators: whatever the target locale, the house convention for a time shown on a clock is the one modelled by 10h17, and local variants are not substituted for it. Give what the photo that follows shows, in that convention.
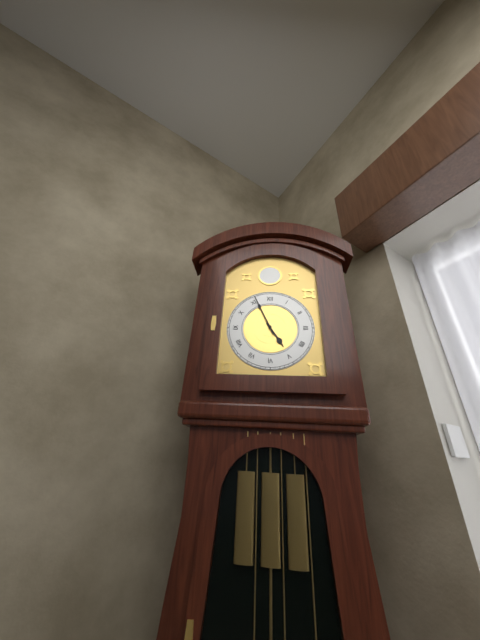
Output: 4h56
